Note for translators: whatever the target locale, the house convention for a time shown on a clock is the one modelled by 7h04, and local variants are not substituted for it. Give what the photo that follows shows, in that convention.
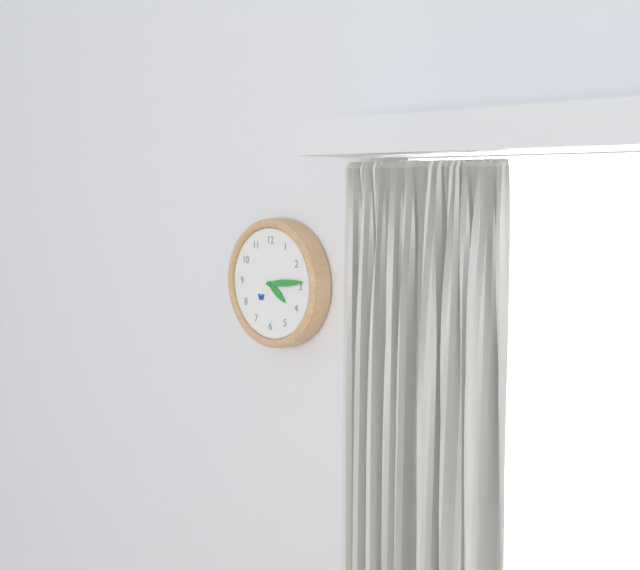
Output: 4h14
